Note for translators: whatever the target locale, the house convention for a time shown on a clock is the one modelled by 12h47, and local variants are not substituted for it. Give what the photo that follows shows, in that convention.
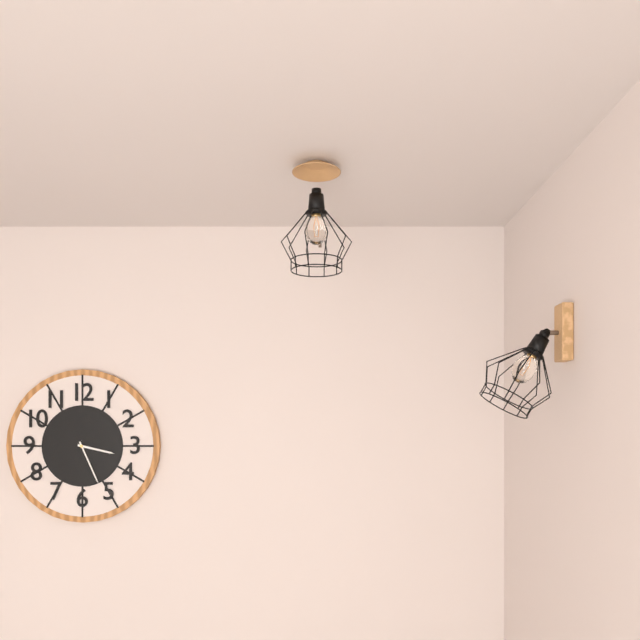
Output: 3h26
